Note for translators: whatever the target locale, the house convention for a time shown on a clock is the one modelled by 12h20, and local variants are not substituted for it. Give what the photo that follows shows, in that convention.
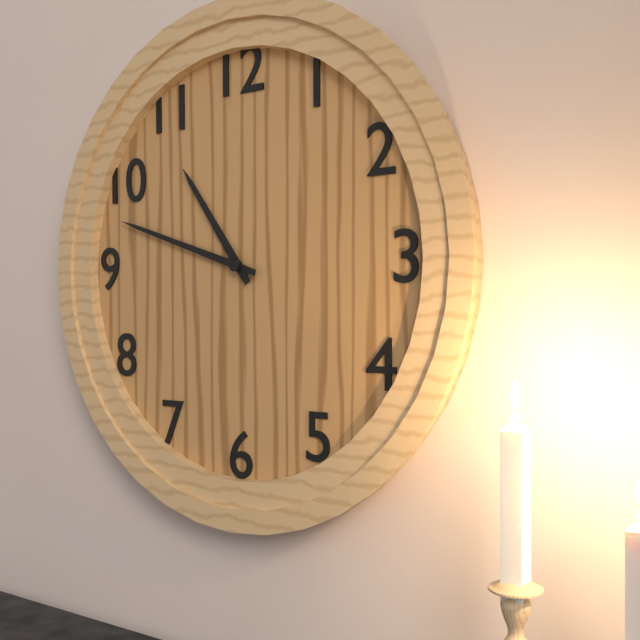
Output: 10h48
